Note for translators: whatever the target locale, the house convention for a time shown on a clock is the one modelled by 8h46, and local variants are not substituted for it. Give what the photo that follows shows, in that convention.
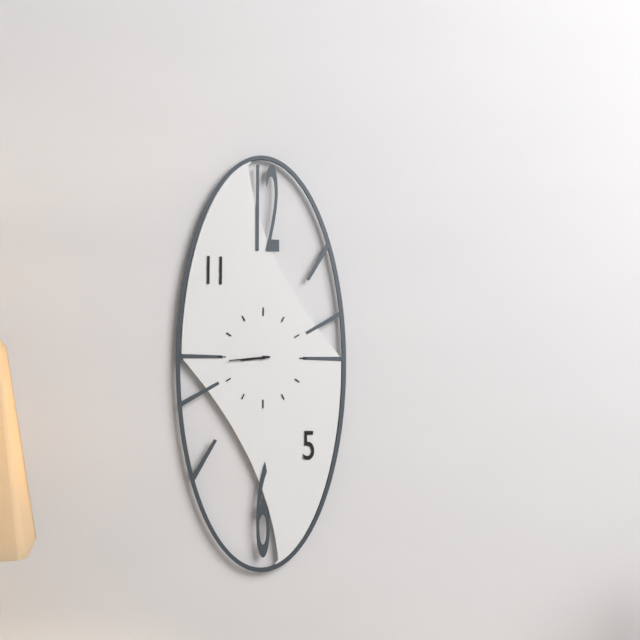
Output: 8h44
